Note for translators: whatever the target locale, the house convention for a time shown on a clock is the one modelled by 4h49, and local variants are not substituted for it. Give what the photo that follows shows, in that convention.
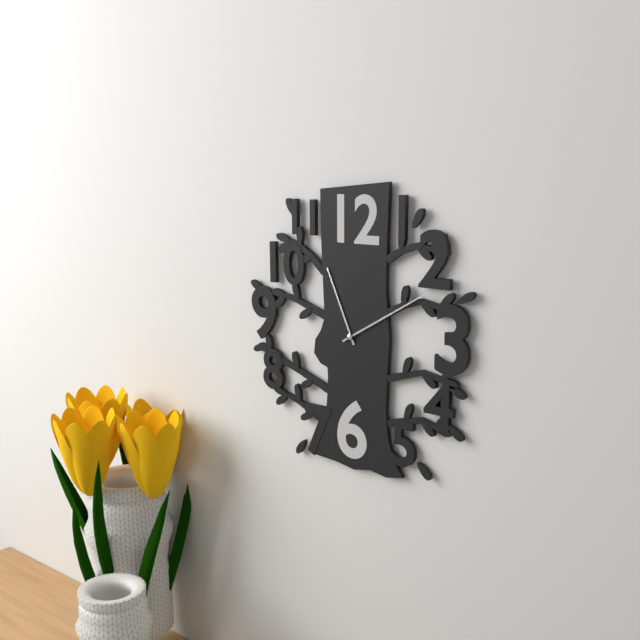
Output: 11h10
